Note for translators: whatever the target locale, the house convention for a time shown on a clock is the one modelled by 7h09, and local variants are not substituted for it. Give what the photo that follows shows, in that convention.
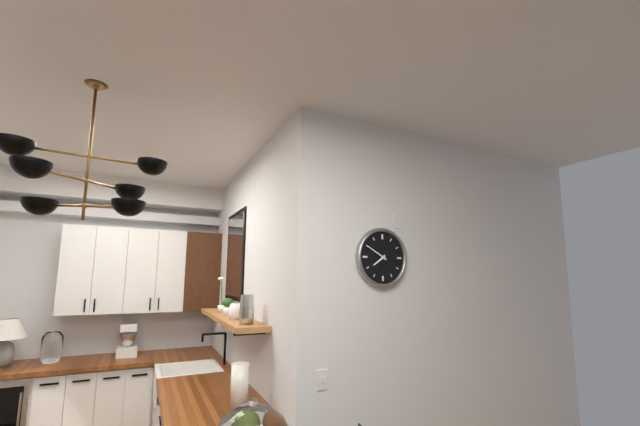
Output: 7h50
